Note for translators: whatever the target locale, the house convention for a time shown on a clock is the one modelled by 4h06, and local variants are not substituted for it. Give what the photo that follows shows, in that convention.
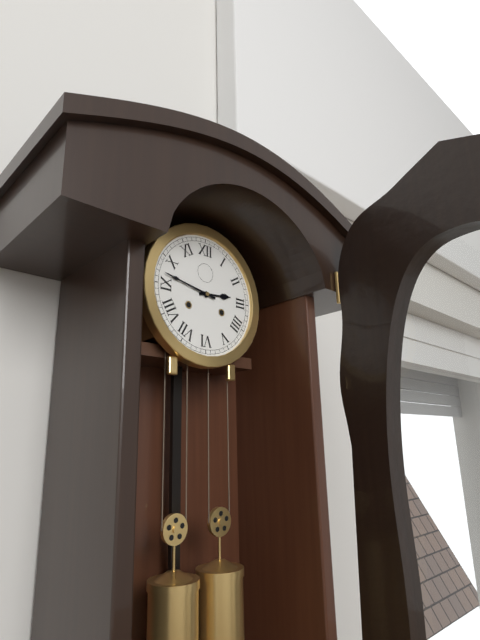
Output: 2h47
